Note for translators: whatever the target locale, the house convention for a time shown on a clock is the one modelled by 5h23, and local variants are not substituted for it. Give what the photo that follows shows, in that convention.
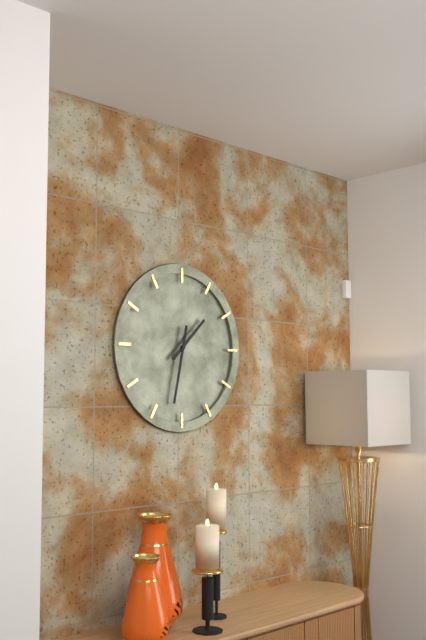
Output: 1h32
